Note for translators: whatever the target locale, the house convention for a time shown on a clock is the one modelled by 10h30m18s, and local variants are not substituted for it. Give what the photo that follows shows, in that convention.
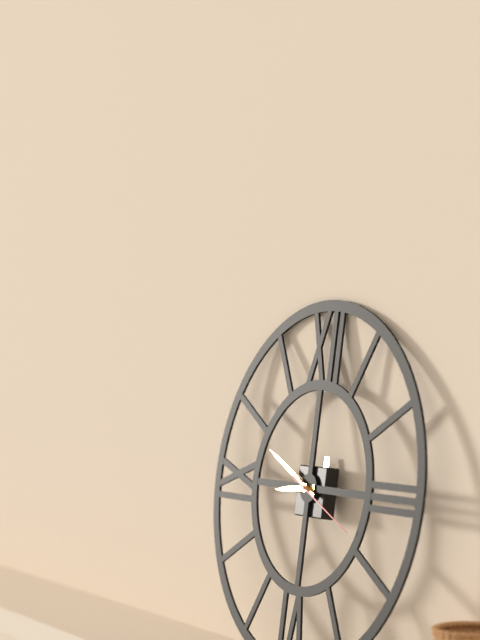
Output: 8h49m19s
